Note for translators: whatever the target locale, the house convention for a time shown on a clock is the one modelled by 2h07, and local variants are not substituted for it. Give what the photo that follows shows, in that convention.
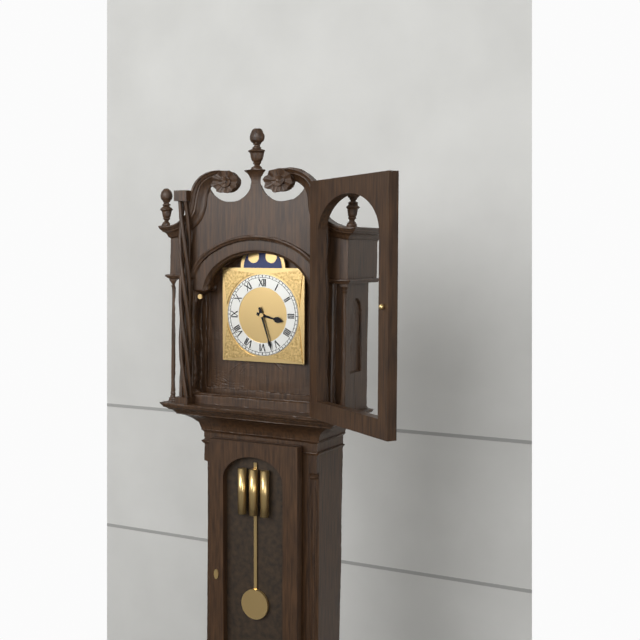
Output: 3h27
